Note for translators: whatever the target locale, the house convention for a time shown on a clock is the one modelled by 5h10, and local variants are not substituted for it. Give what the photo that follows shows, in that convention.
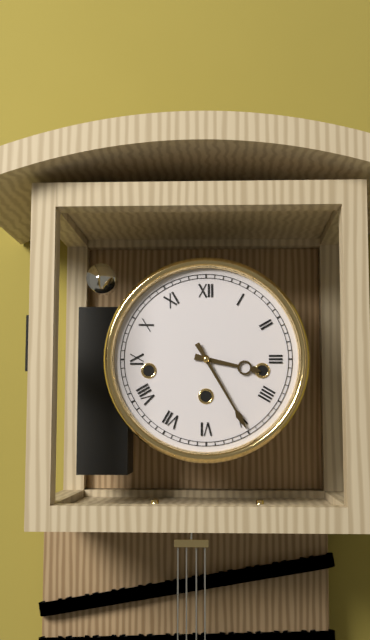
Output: 3h25
